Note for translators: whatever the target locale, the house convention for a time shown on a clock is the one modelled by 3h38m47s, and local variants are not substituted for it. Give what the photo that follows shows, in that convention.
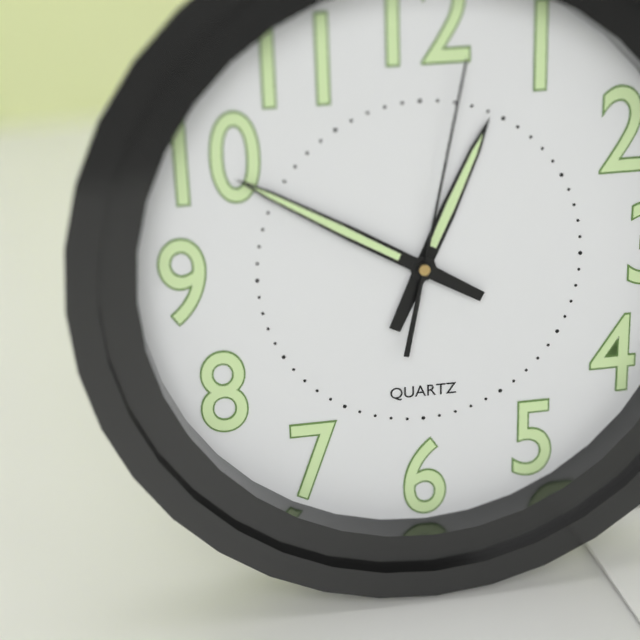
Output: 12h50m02s
